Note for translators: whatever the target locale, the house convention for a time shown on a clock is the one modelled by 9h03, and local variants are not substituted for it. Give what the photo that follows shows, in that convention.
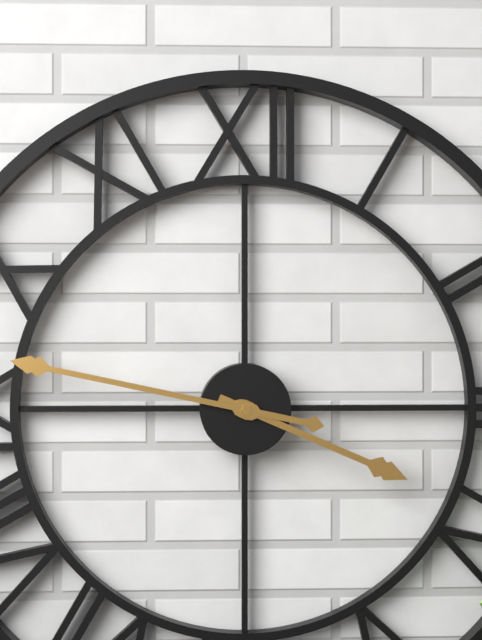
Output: 3h47
